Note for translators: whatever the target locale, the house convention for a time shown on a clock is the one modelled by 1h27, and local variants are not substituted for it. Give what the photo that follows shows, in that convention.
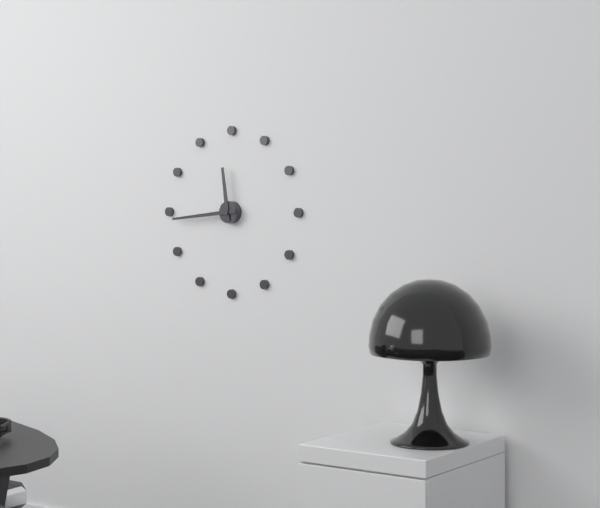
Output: 11h44
